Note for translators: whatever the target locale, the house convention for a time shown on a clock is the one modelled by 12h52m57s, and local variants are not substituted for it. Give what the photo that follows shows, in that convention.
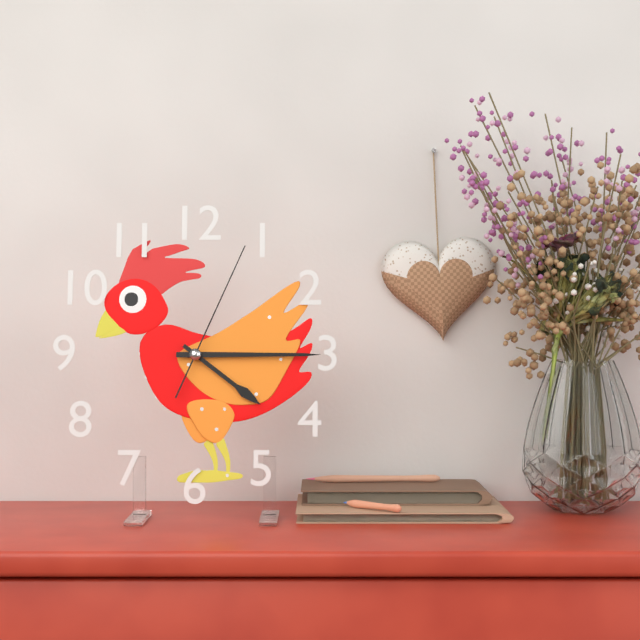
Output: 4h15m04s
